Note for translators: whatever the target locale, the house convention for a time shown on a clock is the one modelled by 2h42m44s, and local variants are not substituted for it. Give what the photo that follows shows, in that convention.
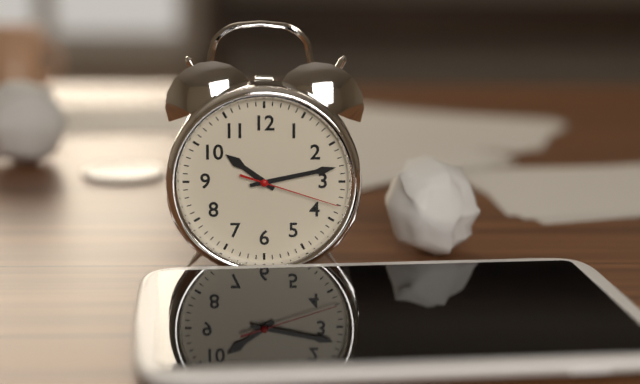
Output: 10h13m18s
